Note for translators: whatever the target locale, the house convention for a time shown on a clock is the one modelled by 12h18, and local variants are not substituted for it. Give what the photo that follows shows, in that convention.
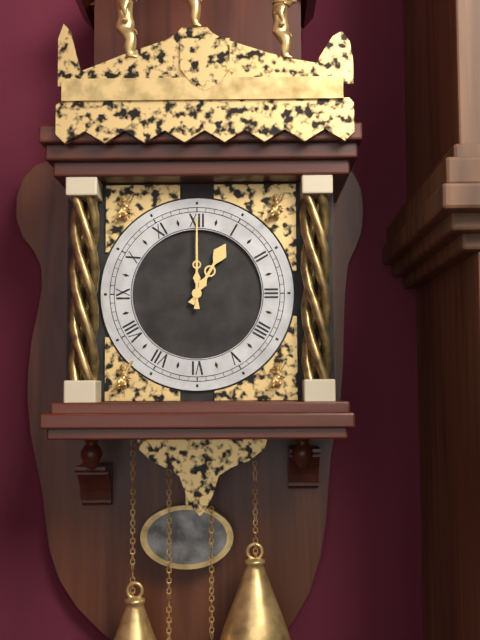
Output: 1h00
